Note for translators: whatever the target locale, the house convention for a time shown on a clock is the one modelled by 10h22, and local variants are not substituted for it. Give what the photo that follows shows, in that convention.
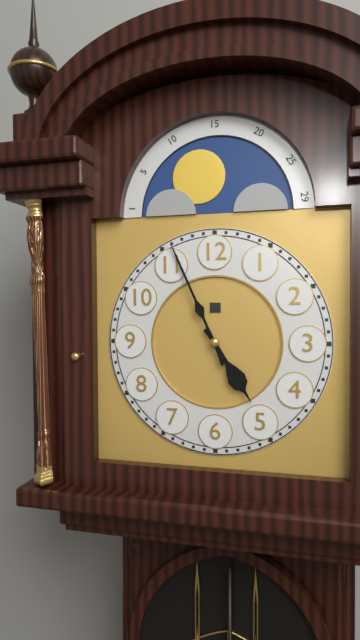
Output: 4h56
